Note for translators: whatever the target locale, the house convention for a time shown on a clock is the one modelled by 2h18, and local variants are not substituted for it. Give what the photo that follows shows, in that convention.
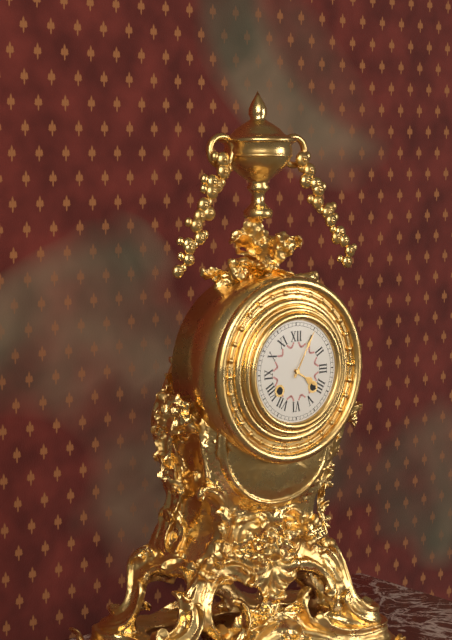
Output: 4h05
